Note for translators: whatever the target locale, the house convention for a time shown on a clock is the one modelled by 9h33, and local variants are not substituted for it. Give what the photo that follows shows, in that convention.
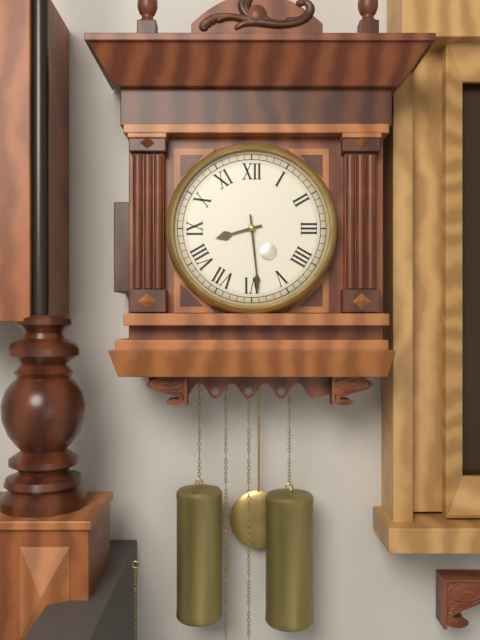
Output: 8h29
